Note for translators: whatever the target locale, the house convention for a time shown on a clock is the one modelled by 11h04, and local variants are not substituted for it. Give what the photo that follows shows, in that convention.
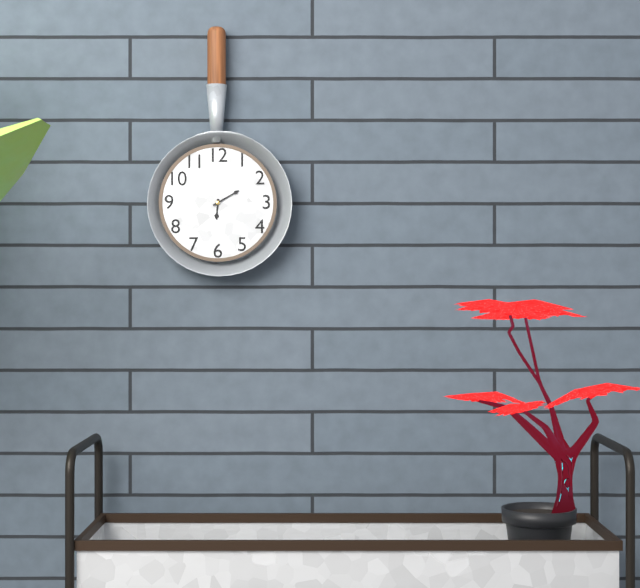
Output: 6h10
